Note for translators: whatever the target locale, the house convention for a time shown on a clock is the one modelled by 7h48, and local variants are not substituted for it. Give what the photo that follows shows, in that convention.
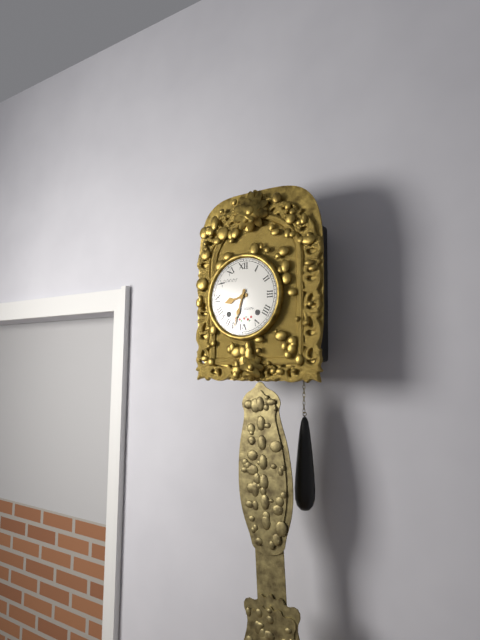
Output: 8h33
